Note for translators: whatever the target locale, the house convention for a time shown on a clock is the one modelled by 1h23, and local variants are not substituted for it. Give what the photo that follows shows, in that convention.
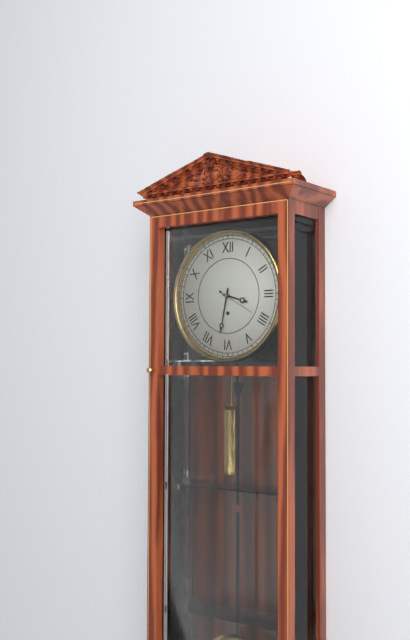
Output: 3h32
